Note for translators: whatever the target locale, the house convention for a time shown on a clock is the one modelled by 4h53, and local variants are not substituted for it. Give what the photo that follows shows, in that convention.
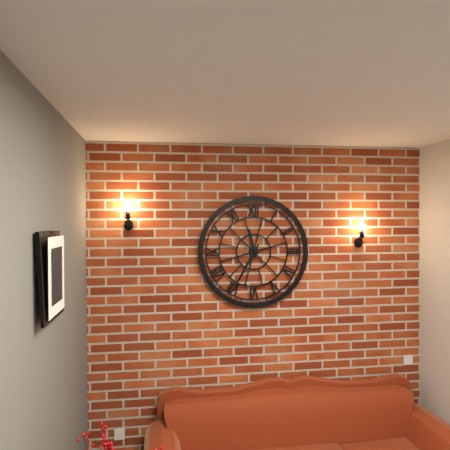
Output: 11h35
